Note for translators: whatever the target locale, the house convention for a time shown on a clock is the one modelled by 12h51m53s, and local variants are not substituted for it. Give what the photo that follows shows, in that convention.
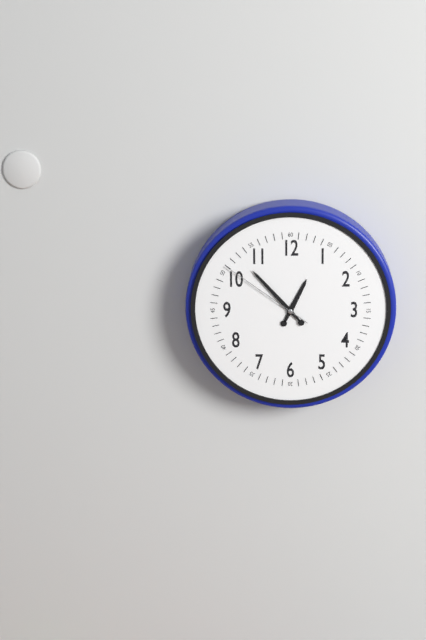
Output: 12h53m51s
